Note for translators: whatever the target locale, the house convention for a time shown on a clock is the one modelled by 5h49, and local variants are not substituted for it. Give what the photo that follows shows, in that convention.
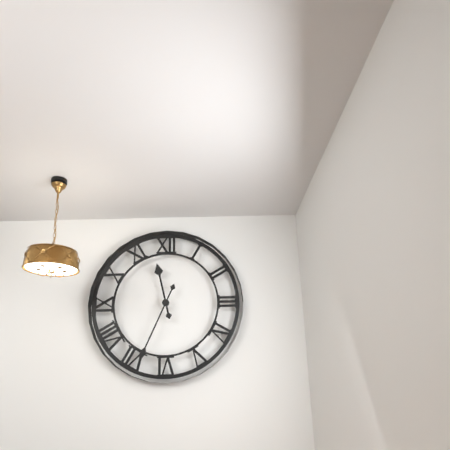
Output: 11h34
